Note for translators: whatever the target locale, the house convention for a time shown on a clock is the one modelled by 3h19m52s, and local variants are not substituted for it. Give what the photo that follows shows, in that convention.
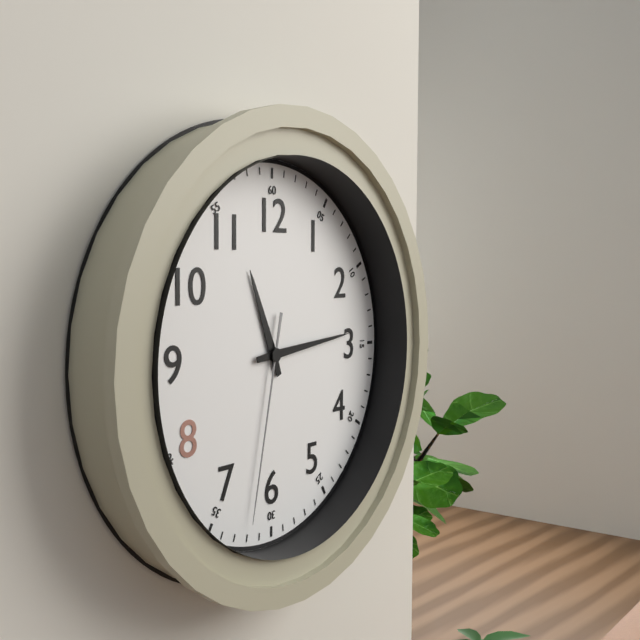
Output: 11h14m32s
